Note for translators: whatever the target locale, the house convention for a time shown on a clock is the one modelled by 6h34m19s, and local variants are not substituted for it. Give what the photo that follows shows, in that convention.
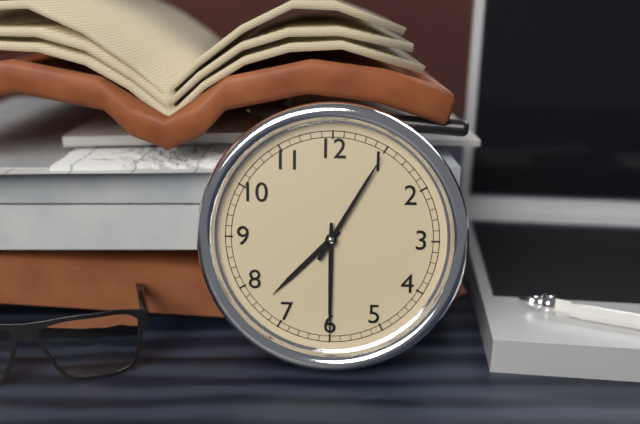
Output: 7h30m05s
